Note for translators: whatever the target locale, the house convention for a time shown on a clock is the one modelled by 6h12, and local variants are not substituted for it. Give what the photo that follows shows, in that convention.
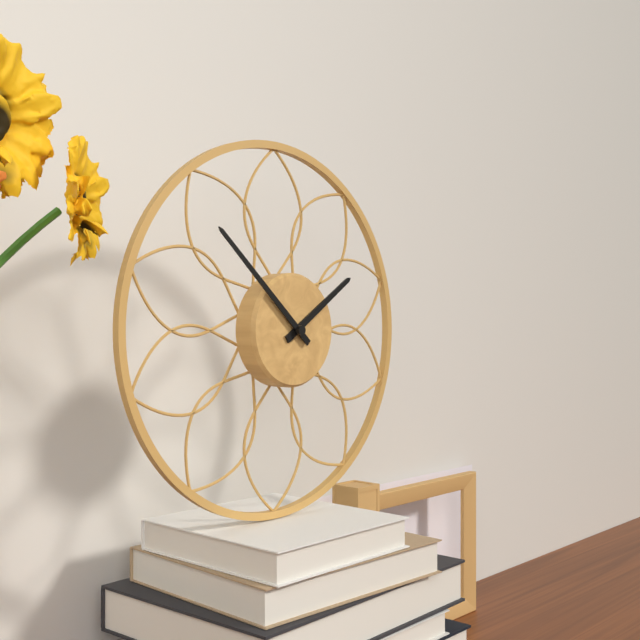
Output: 1h52
